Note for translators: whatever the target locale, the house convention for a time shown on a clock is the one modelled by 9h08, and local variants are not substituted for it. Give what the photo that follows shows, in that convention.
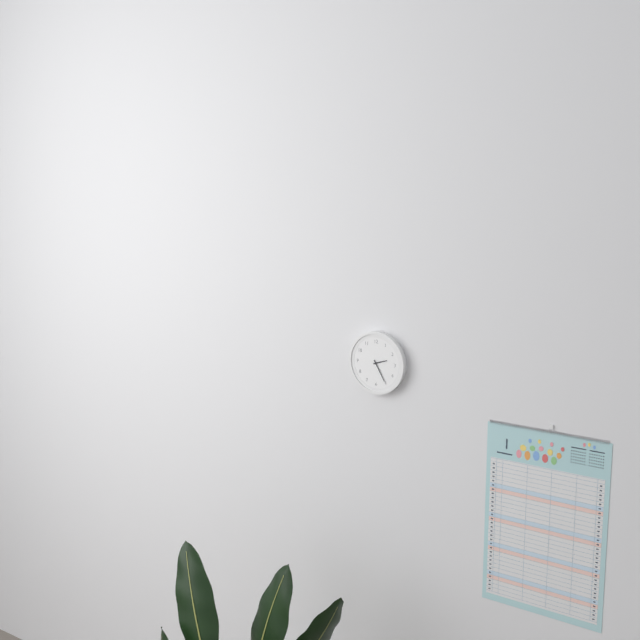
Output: 2h25
